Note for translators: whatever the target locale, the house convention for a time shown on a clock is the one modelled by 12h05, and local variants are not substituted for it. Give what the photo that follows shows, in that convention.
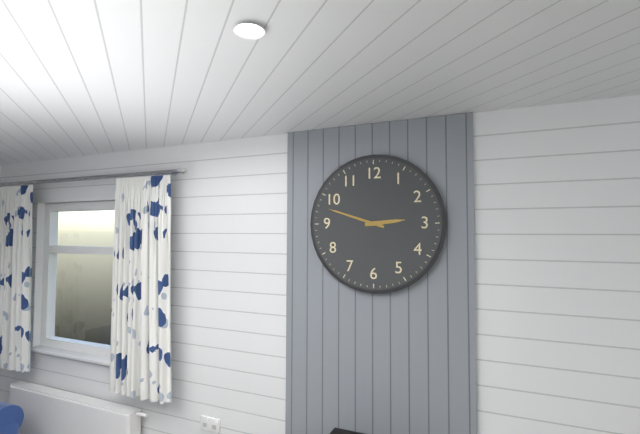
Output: 2h48
